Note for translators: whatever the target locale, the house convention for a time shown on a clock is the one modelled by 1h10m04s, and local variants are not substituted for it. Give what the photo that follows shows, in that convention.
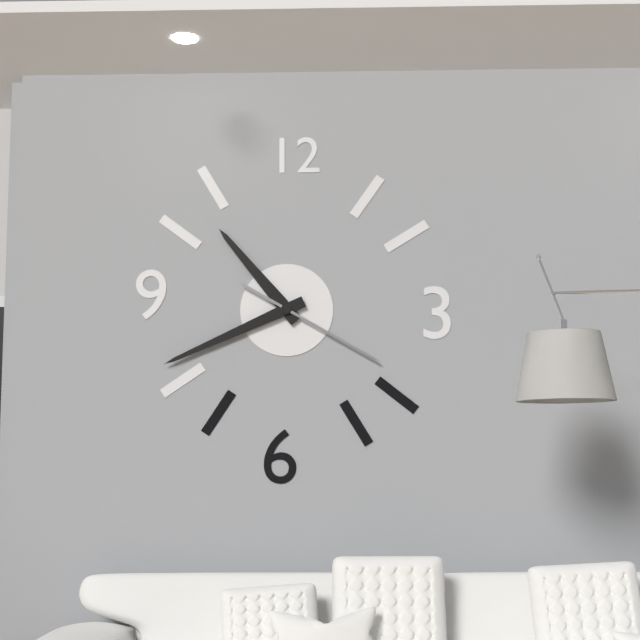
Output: 10h41m20s
